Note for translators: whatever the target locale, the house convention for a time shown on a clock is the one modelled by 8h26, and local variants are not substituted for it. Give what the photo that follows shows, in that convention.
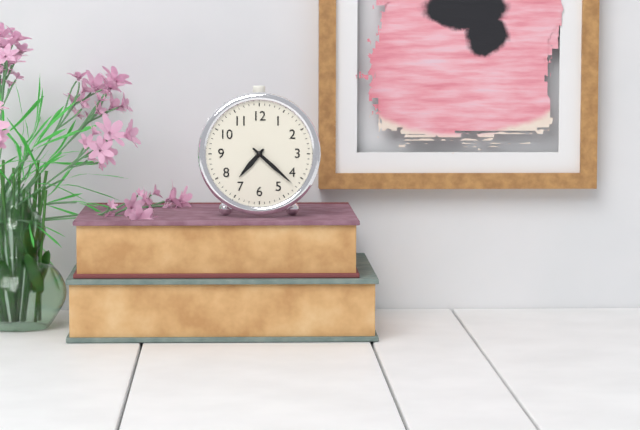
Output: 7h22
